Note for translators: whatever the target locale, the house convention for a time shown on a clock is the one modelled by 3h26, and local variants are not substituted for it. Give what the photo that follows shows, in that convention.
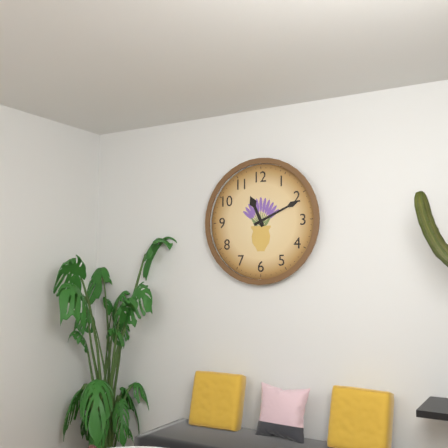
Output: 11h11
